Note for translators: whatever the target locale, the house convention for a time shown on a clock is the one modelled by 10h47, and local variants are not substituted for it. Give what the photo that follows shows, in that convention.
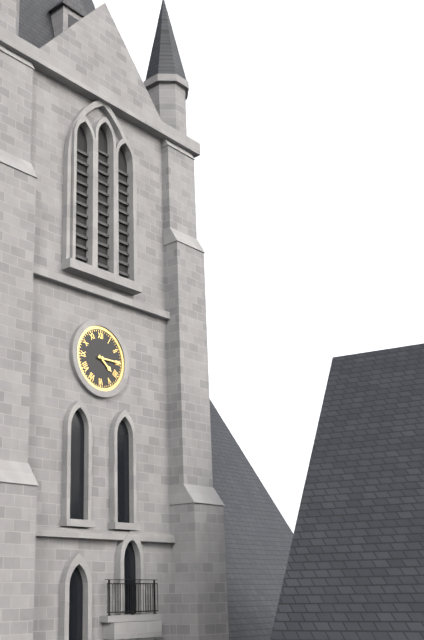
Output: 4h15
